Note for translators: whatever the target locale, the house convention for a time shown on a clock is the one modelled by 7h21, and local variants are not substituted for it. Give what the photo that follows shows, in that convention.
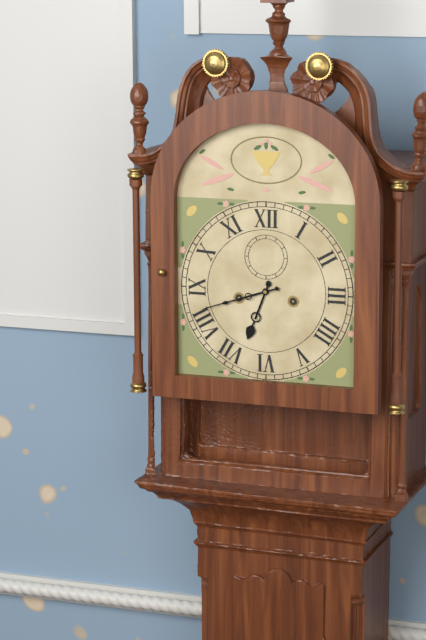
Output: 6h42
